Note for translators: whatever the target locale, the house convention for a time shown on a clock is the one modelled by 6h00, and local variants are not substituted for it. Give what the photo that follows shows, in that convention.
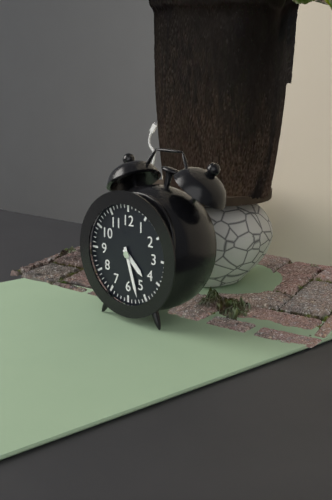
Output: 4h27
